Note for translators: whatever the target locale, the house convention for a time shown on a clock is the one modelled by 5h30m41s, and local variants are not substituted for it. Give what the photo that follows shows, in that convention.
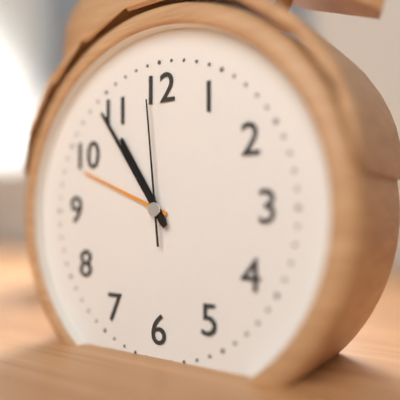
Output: 10h54m59s
